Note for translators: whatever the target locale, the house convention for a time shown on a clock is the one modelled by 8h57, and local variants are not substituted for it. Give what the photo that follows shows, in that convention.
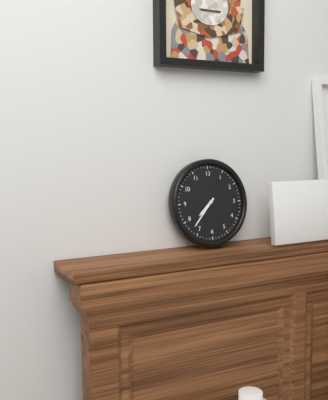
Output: 7h37
